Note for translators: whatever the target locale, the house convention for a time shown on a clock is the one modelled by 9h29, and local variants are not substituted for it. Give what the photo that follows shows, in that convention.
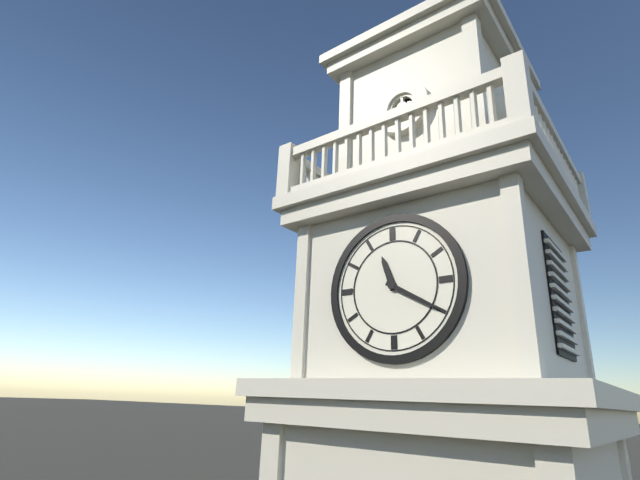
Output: 11h20
